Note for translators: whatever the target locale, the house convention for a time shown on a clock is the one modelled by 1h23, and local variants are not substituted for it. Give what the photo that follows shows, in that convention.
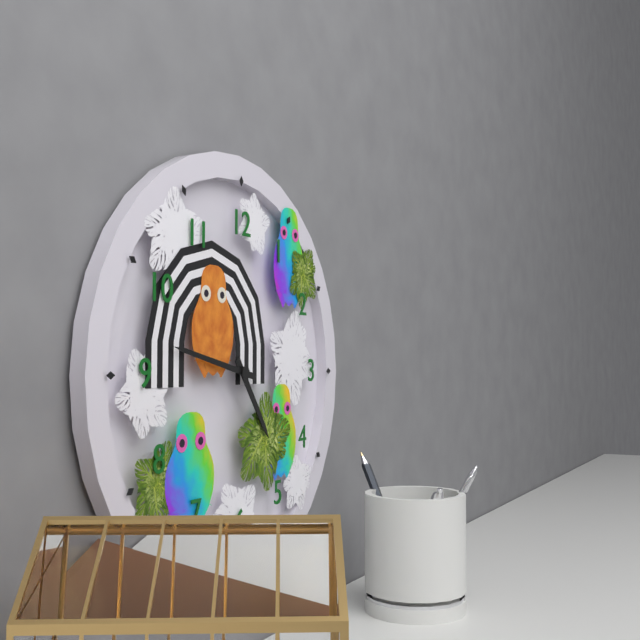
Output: 4h47
